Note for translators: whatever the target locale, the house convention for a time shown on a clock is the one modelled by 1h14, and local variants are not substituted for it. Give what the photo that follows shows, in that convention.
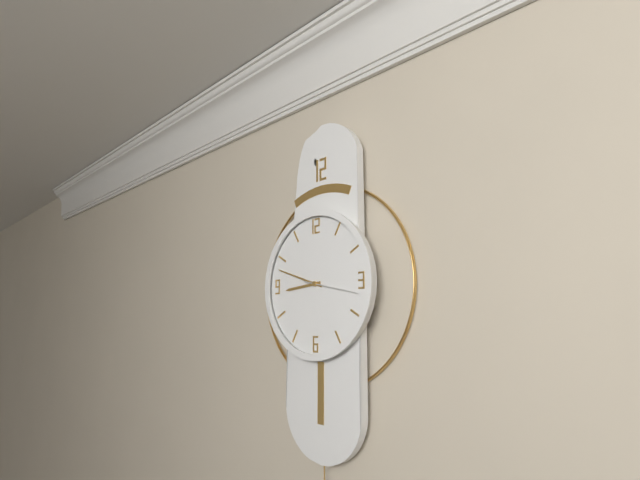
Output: 8h48
